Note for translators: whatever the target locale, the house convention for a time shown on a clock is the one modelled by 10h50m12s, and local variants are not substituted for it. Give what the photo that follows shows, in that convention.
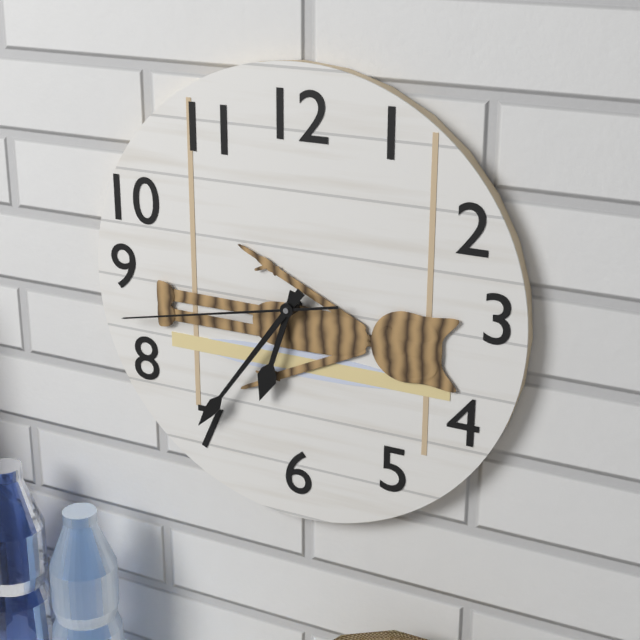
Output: 6h36m43s
